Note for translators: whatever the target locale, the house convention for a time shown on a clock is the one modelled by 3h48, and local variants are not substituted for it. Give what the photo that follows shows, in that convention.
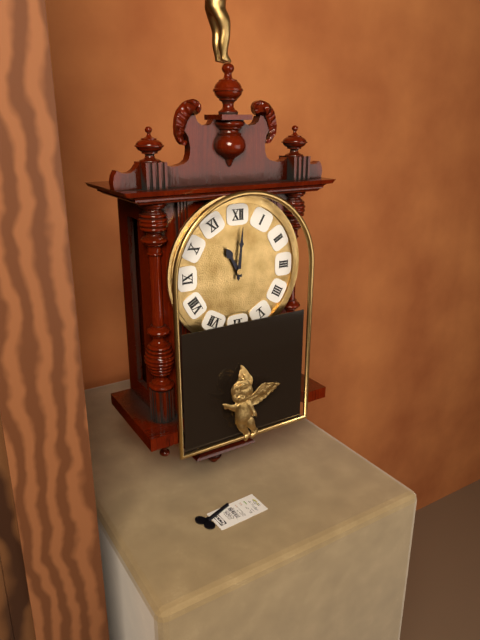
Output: 11h01
